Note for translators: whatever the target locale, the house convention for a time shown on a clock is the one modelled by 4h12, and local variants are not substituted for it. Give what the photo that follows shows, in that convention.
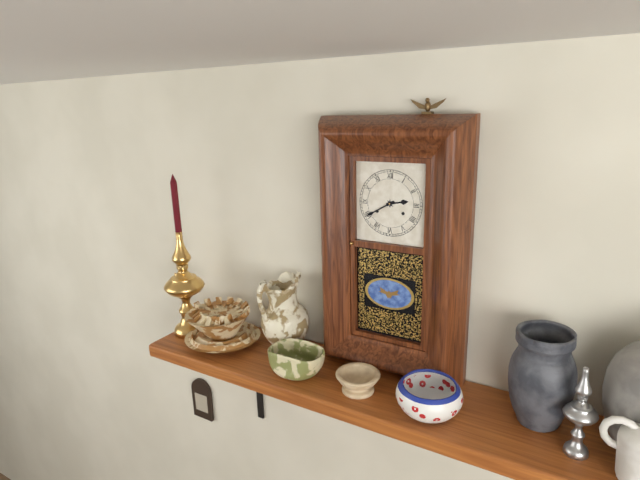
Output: 2h40
